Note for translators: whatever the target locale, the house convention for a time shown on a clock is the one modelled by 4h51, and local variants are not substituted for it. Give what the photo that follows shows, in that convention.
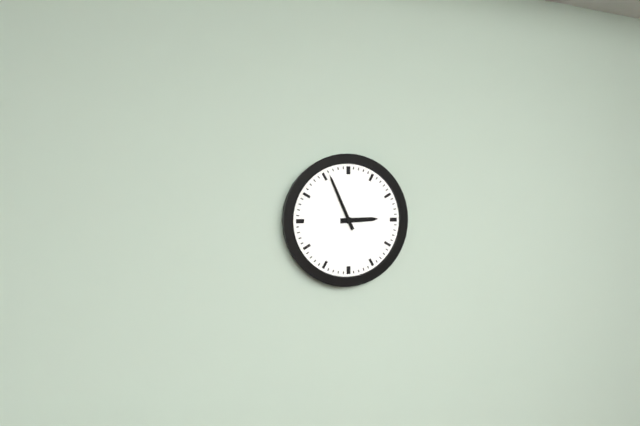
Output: 2h56
